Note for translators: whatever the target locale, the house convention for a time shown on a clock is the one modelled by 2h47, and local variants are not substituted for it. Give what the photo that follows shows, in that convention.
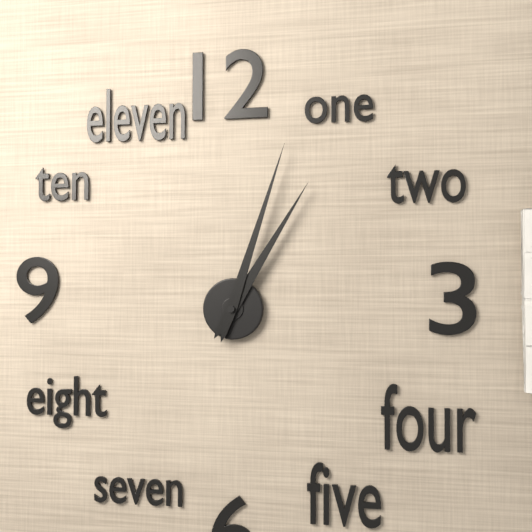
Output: 1h03
